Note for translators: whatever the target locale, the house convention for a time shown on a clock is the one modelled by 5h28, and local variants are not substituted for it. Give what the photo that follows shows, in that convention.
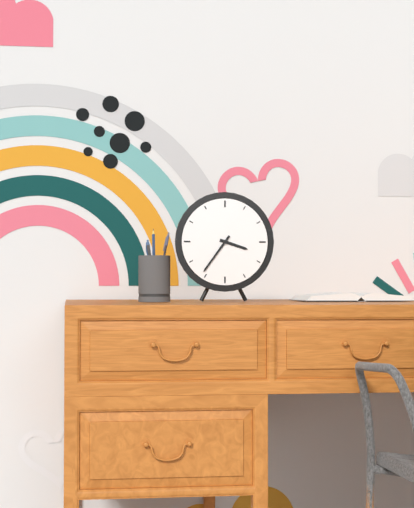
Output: 3h36
